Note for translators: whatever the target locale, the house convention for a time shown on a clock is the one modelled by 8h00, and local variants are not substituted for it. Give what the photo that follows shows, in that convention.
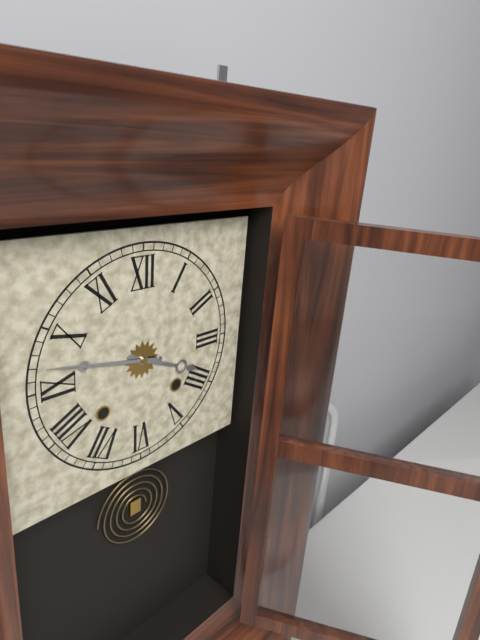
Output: 3h47
